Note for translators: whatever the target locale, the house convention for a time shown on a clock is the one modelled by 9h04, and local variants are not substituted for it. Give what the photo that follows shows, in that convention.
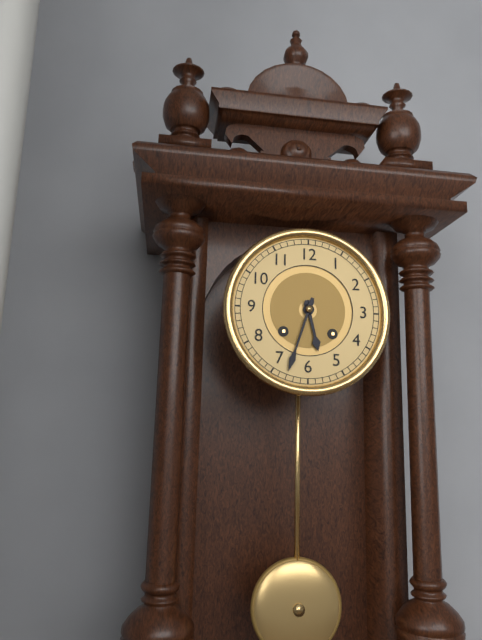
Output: 5h33
